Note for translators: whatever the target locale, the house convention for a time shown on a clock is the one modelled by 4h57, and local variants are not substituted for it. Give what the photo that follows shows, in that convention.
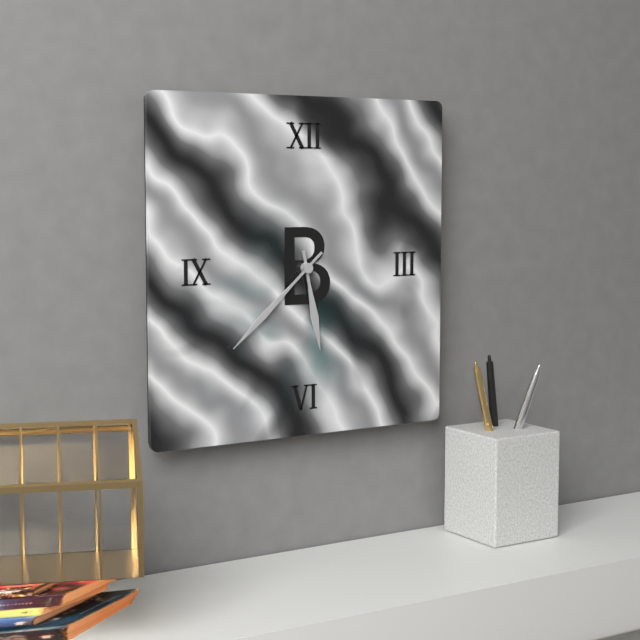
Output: 5h38
